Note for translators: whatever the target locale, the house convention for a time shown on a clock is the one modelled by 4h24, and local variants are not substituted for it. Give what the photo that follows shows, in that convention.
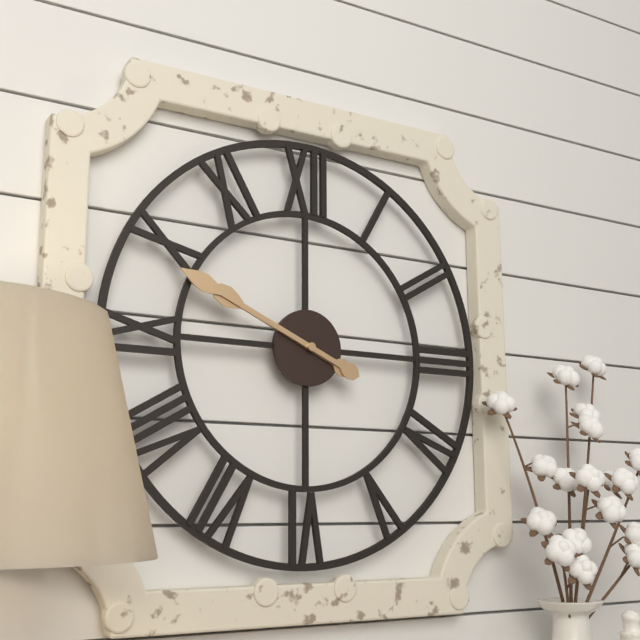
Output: 9h49
